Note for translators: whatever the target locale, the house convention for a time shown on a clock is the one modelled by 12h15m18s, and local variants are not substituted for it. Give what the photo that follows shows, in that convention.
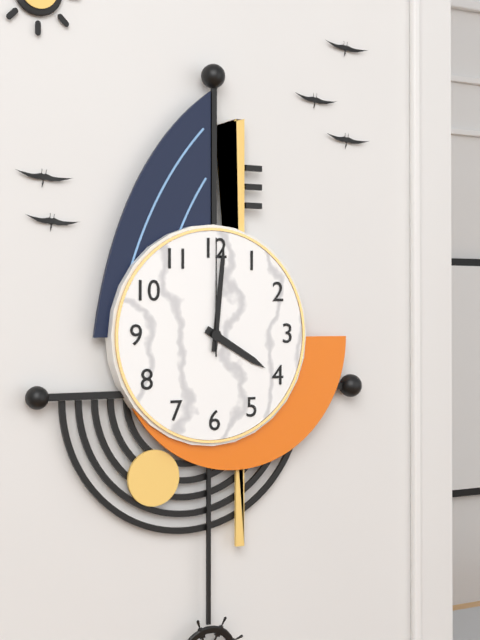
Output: 4h01m00s
